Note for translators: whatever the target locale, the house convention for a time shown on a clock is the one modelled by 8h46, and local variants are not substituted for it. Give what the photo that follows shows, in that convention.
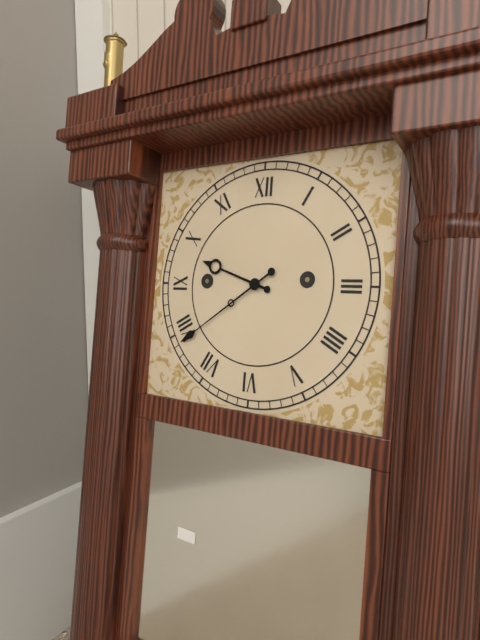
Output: 9h39
